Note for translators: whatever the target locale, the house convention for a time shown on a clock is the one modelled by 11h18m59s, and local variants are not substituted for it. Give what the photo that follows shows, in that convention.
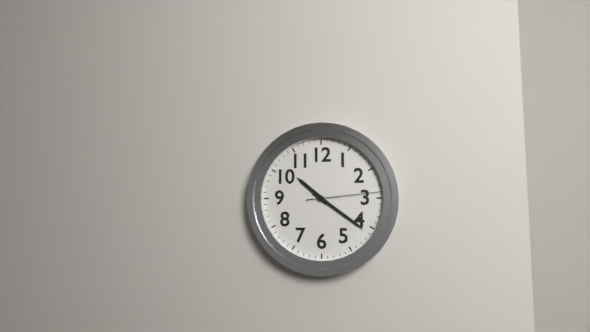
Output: 10h21m14s
